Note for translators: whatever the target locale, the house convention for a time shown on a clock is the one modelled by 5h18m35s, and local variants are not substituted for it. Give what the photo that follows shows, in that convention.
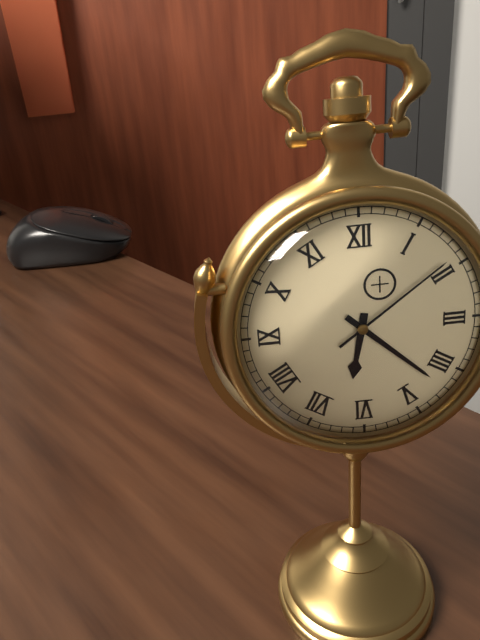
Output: 6h22m09s
